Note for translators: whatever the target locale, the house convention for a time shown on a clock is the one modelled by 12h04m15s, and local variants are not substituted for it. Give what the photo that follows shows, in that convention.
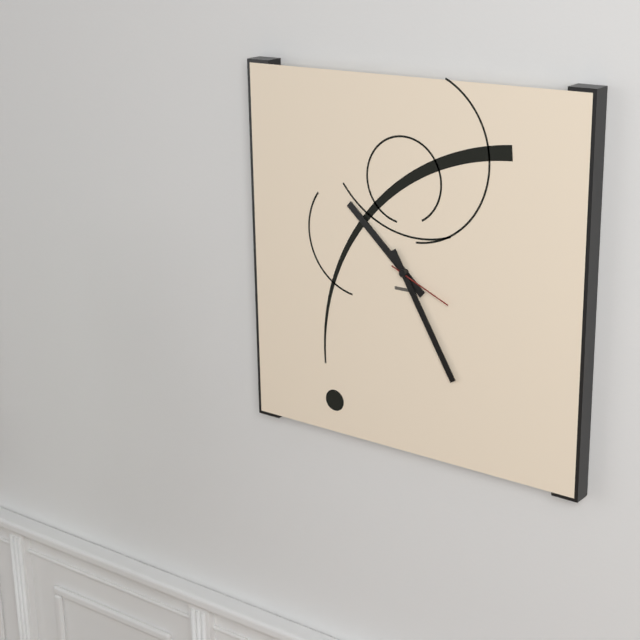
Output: 10h25m19s
